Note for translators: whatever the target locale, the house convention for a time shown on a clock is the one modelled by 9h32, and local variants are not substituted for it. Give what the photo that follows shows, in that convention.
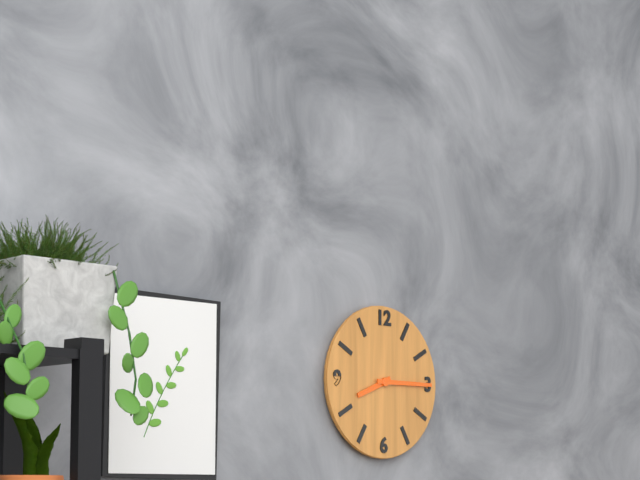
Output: 8h15
